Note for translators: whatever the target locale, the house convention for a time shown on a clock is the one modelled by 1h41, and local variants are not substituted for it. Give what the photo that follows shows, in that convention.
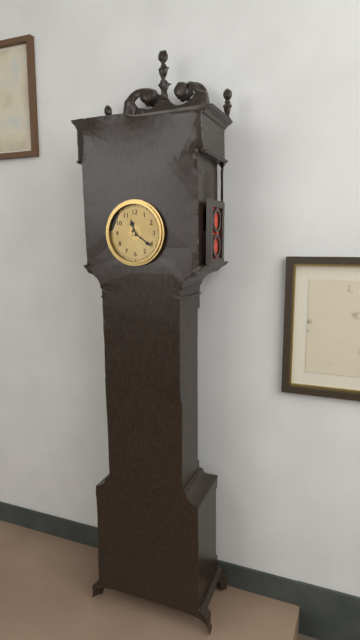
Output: 11h21
